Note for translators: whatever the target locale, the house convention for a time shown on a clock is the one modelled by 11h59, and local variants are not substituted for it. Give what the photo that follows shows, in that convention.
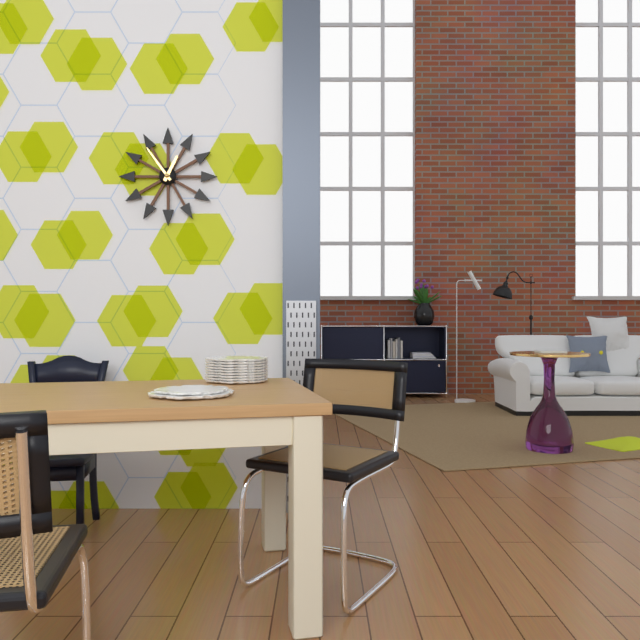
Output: 12h54
